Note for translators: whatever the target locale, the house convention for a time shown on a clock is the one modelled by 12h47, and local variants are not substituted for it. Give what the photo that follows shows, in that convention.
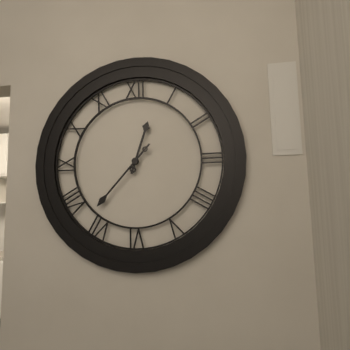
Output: 12h37
